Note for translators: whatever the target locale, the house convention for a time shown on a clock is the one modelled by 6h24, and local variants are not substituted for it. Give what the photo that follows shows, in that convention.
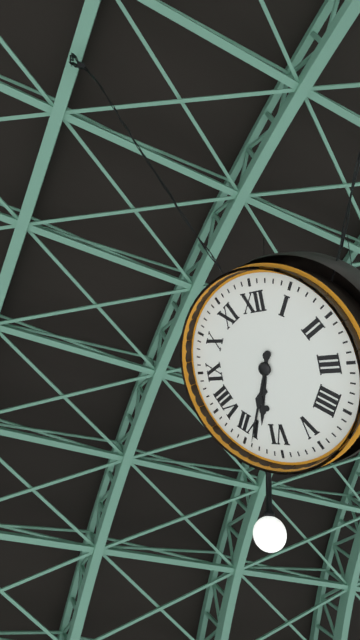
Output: 6h34
